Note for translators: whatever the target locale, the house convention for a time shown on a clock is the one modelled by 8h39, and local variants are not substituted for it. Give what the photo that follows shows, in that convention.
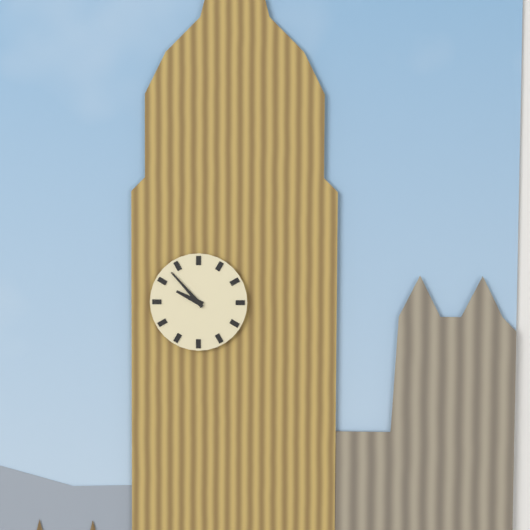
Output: 9h53
